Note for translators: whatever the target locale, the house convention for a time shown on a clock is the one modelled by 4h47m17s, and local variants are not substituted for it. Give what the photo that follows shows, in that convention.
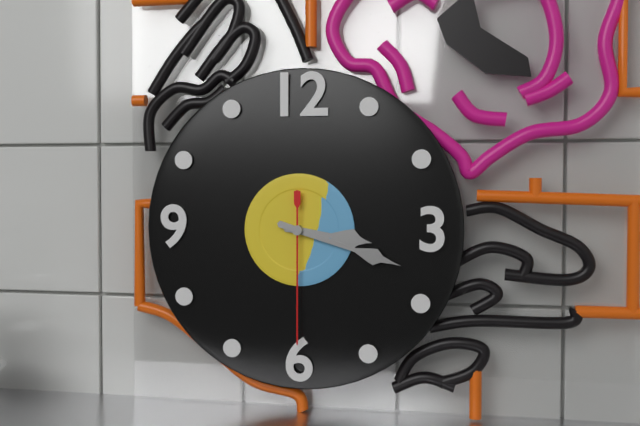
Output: 3h18m30s
